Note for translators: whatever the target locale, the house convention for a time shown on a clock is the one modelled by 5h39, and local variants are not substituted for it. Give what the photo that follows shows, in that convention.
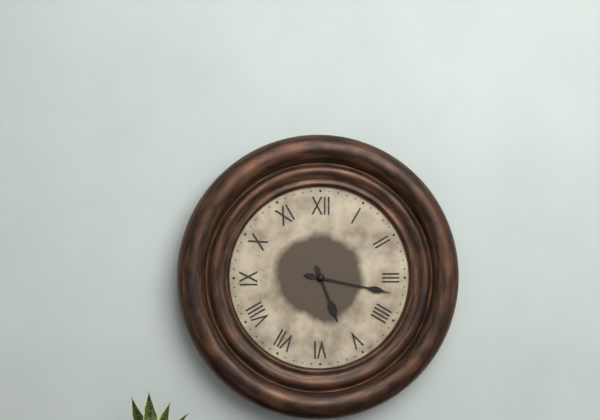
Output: 5h17
